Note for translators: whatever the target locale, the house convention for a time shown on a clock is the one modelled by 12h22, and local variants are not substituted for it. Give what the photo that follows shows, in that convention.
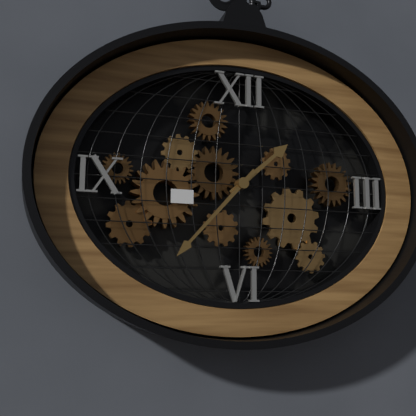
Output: 1h37
